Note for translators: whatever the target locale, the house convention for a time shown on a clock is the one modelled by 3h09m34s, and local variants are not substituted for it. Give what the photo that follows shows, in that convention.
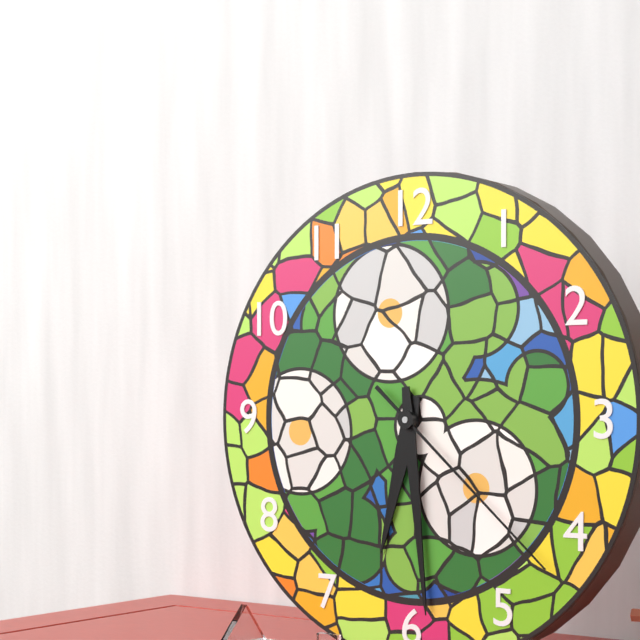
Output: 6h29m22s
